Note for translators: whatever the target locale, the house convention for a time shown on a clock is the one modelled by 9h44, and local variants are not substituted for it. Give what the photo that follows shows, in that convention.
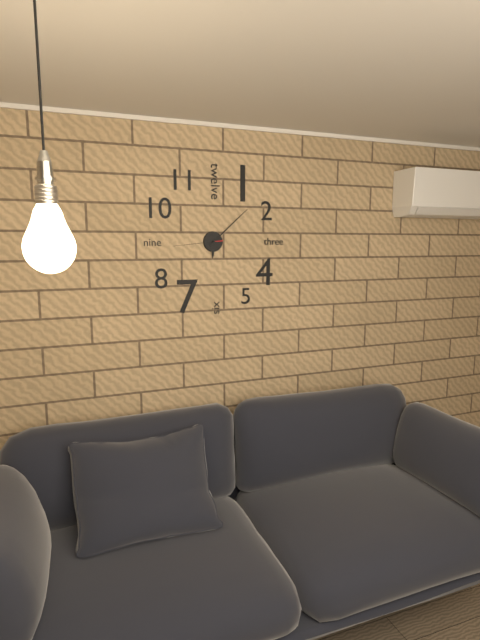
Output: 6h08
